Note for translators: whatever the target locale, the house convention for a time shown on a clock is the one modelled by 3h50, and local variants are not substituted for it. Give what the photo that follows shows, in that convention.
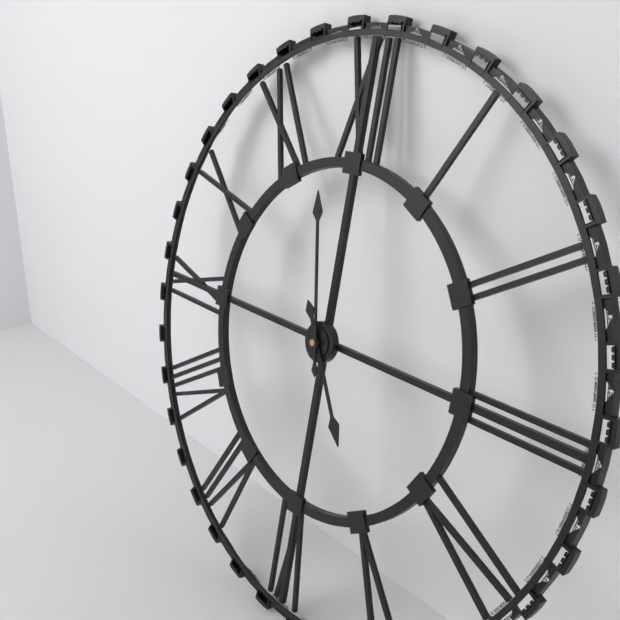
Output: 4h58
